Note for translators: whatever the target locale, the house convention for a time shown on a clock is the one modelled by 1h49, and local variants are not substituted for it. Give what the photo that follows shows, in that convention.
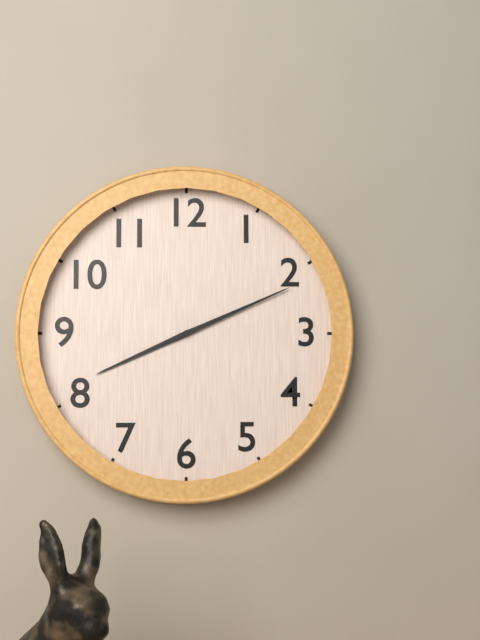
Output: 8h11
